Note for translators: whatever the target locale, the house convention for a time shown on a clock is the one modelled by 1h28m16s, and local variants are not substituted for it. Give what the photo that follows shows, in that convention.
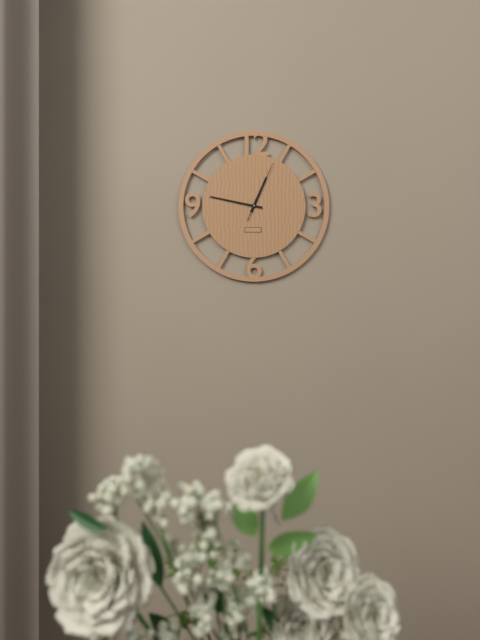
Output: 12h47m04s
